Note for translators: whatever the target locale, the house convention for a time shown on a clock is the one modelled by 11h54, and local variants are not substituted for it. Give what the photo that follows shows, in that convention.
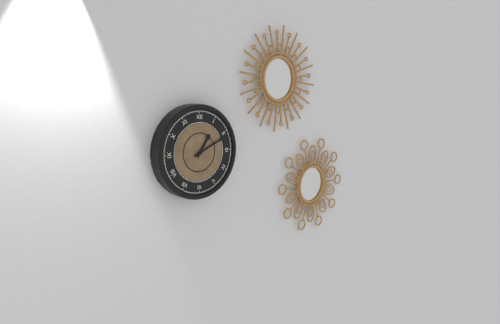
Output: 1h11
